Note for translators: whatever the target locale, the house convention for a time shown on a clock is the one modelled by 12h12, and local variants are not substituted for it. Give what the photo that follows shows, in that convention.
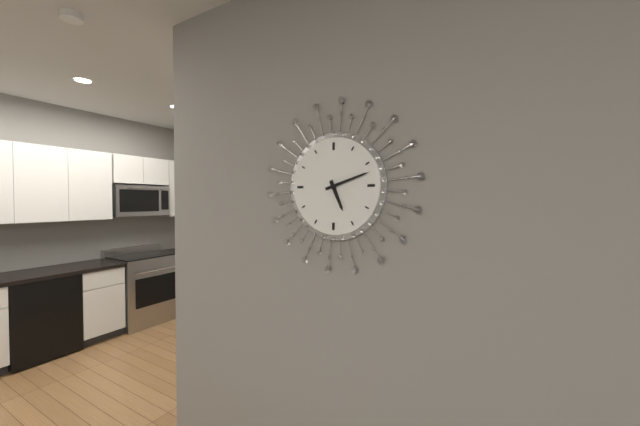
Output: 5h12
